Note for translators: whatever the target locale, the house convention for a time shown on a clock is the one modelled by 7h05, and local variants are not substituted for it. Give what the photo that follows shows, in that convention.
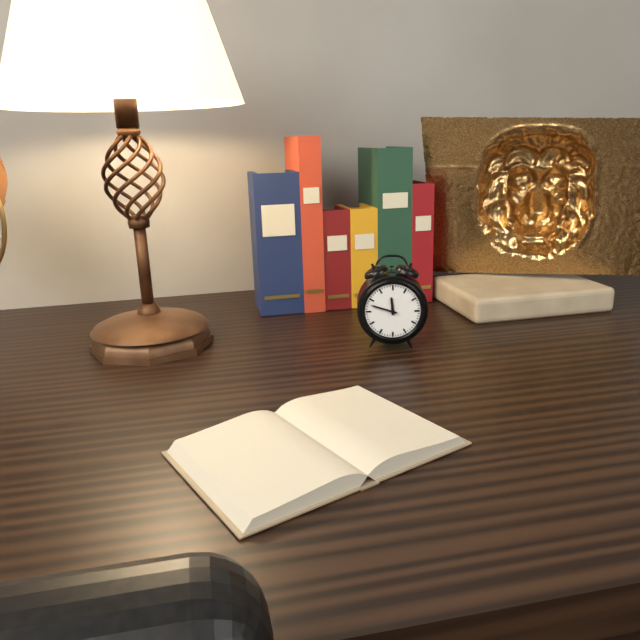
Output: 11h48
